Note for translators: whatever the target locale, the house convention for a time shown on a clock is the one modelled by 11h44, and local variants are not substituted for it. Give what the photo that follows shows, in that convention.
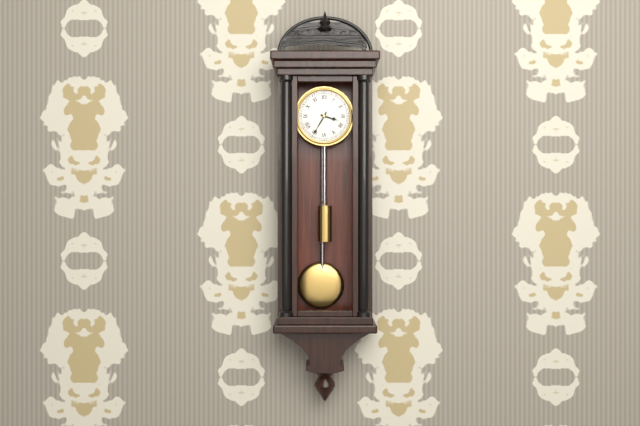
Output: 3h35
